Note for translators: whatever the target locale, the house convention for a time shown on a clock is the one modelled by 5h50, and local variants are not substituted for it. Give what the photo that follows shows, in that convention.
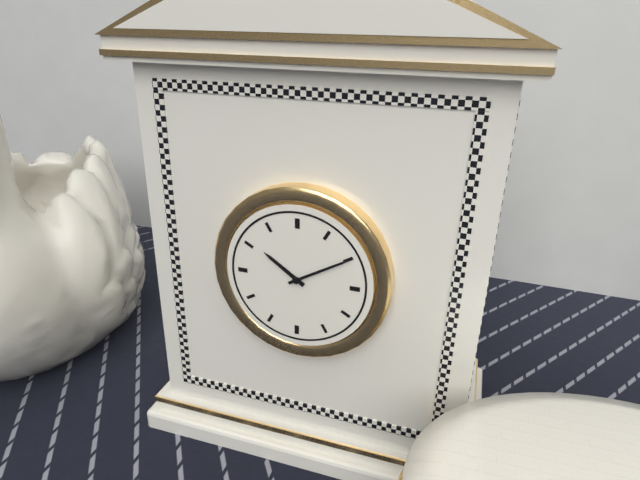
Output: 10h10
